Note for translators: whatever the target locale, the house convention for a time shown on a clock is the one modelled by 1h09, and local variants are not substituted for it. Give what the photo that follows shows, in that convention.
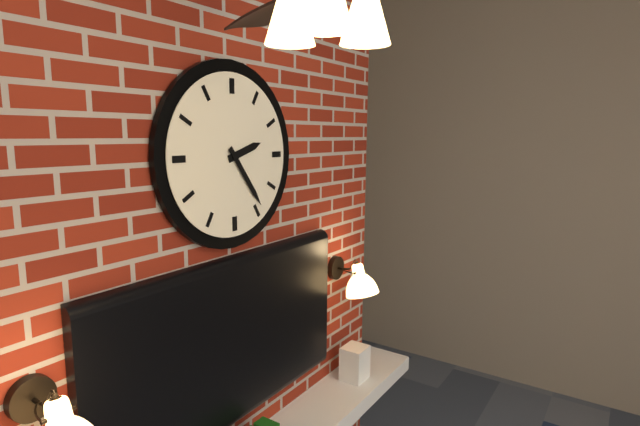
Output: 2h24
